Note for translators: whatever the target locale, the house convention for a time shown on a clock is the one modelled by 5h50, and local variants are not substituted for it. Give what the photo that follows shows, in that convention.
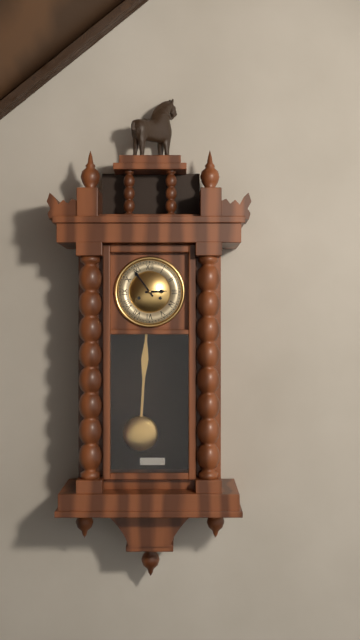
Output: 2h54
